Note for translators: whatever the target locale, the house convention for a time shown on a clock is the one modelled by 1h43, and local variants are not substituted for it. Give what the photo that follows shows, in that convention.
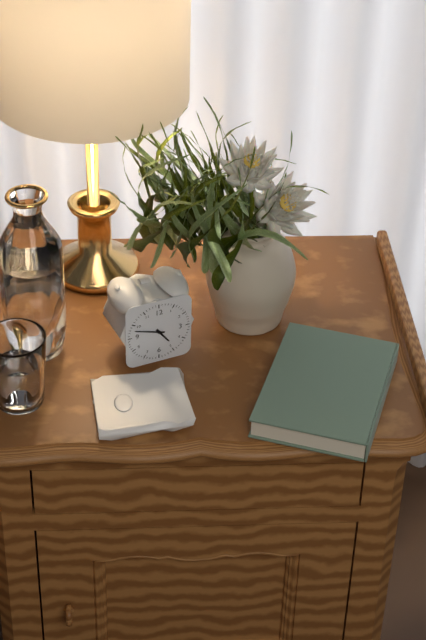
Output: 4h48
